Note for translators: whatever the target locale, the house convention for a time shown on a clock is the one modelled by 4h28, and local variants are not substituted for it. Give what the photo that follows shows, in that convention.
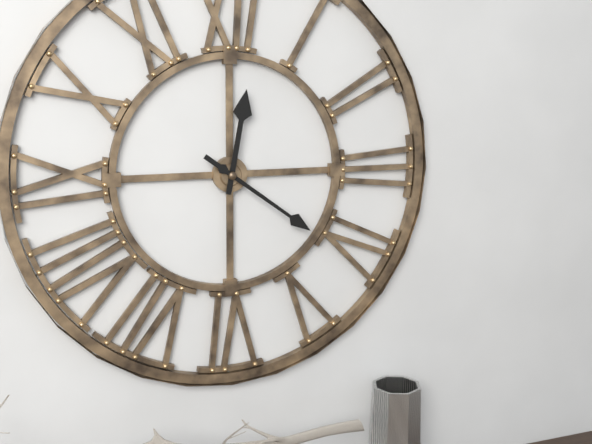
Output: 12h21
